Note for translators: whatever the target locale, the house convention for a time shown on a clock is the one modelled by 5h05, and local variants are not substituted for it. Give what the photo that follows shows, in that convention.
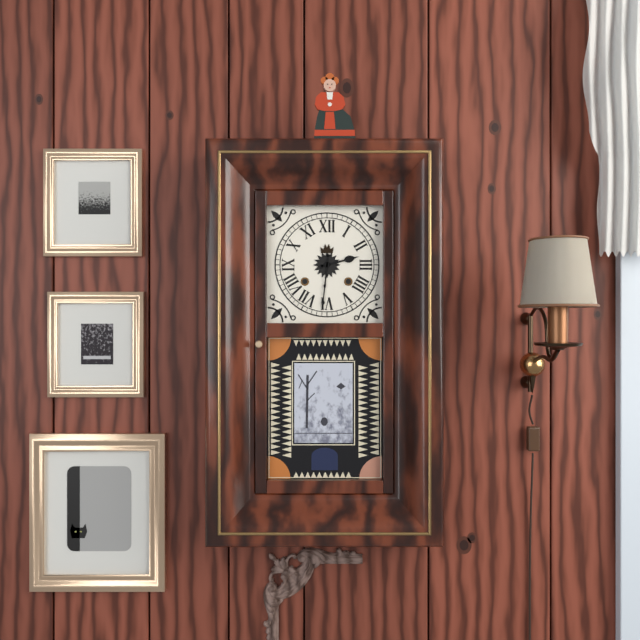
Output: 2h31
